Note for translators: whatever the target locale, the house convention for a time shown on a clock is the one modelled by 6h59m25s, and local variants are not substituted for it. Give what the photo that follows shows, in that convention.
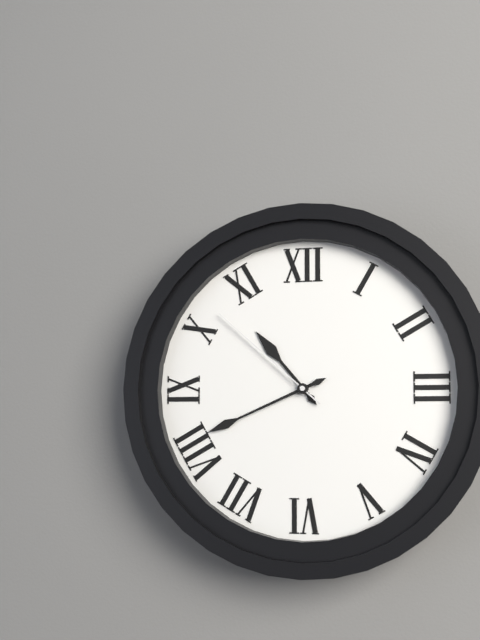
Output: 10h41m52s
